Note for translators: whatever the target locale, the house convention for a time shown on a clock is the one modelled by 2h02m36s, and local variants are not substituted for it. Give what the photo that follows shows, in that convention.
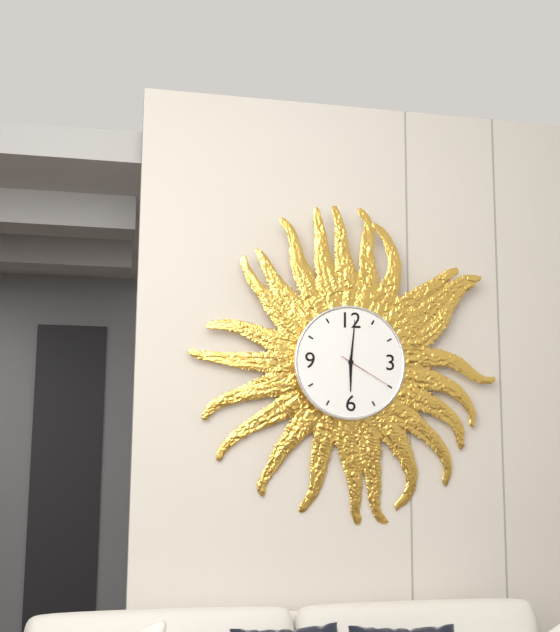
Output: 6h01m20s
